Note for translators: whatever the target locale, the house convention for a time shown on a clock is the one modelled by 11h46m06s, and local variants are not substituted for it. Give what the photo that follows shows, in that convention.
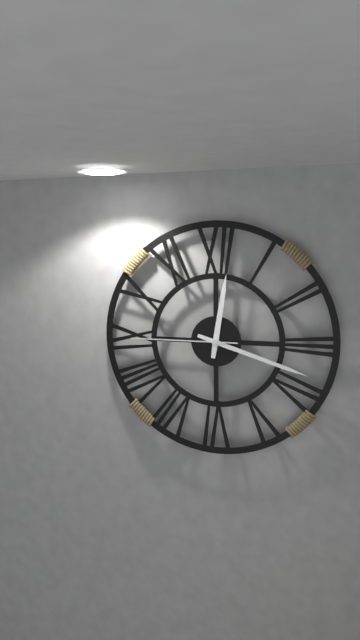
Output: 12h18m45s
